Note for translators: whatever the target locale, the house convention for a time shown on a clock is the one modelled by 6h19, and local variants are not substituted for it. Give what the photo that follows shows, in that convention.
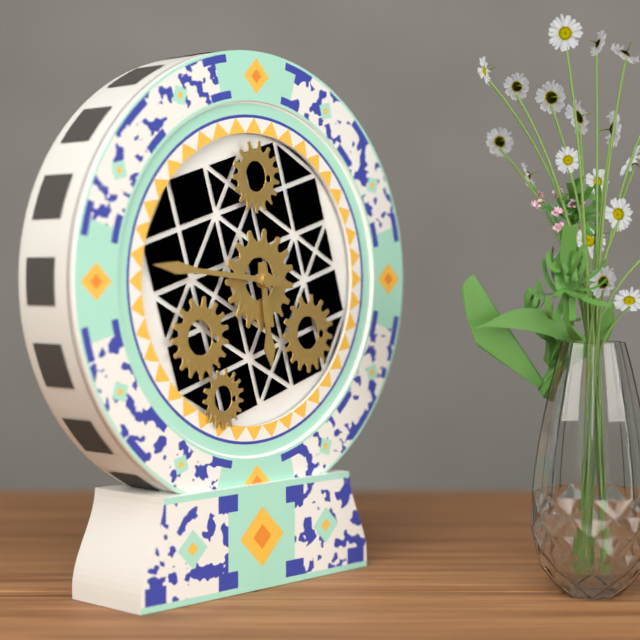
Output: 5h46
